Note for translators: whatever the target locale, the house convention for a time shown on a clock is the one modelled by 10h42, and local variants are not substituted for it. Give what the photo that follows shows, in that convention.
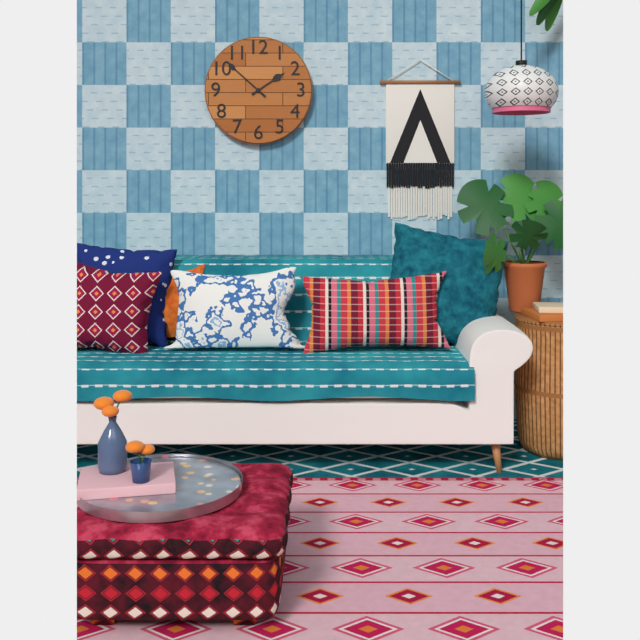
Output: 1h52
